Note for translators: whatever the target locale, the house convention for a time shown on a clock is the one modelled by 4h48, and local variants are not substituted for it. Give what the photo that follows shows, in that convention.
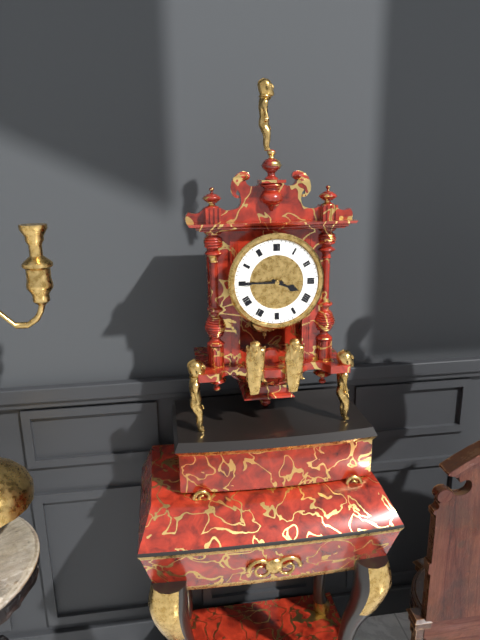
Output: 3h45
